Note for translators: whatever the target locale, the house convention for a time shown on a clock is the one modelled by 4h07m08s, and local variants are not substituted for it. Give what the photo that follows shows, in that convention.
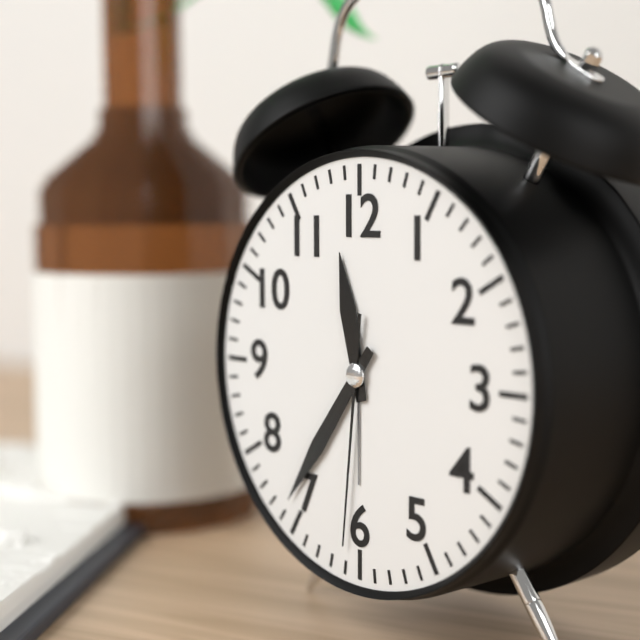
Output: 11h36m31s
